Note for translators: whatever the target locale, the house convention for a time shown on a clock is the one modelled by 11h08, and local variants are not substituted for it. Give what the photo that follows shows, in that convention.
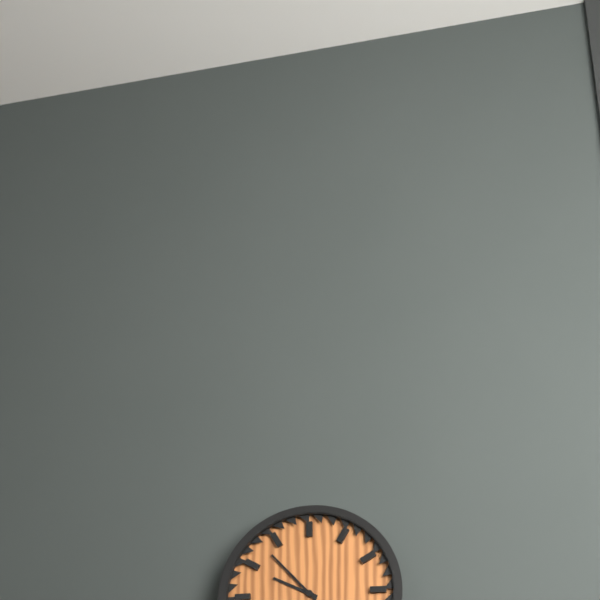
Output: 9h53
